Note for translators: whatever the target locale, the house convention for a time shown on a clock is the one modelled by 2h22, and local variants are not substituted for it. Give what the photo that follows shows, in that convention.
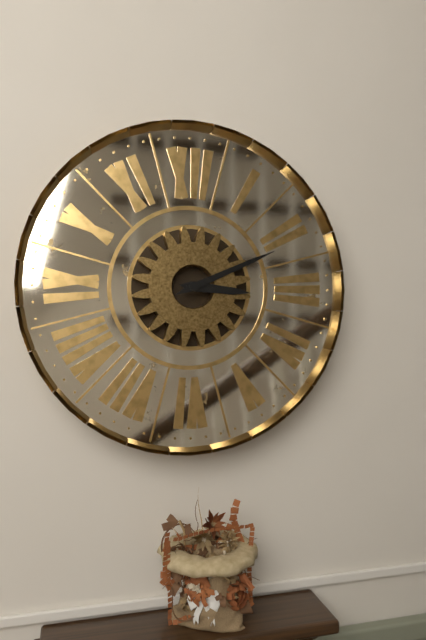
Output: 3h11
